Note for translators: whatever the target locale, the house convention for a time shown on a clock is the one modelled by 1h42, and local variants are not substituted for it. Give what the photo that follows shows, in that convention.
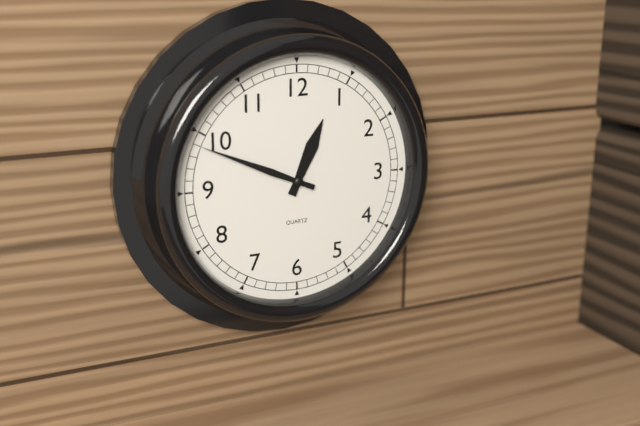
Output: 12h49
